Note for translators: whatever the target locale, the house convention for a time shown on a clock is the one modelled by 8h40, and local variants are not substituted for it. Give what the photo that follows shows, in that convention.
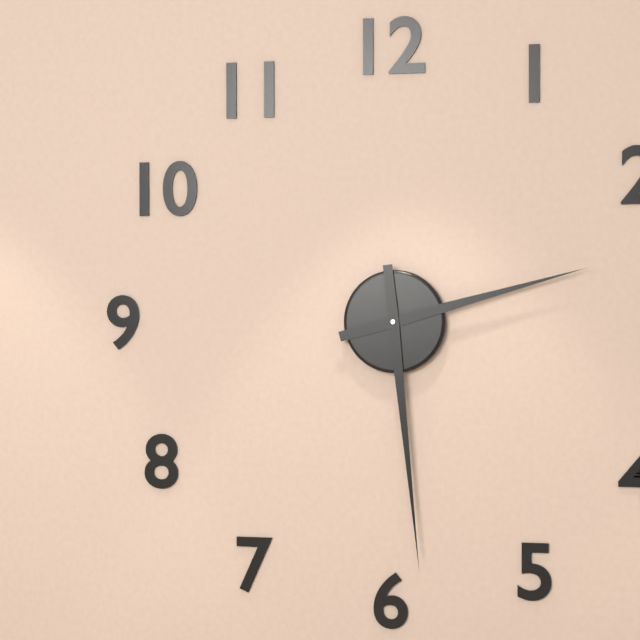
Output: 2h29
